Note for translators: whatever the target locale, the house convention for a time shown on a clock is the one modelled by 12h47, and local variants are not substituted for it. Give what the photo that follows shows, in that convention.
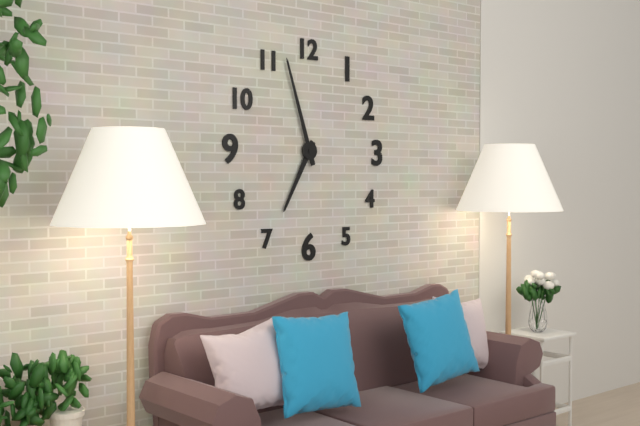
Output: 6h57
